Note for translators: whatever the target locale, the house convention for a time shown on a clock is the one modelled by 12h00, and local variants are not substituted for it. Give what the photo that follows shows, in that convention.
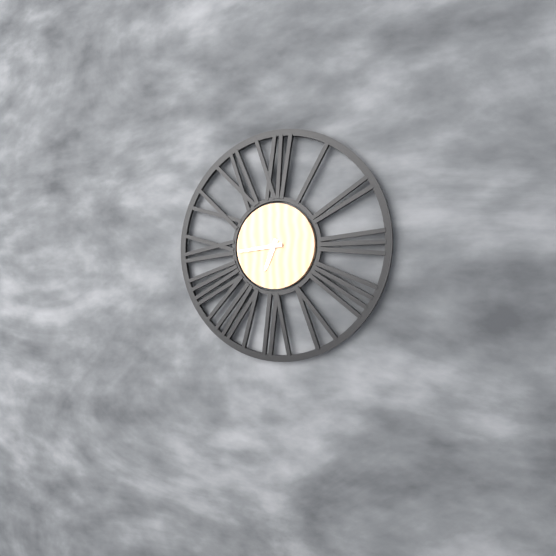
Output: 6h44
